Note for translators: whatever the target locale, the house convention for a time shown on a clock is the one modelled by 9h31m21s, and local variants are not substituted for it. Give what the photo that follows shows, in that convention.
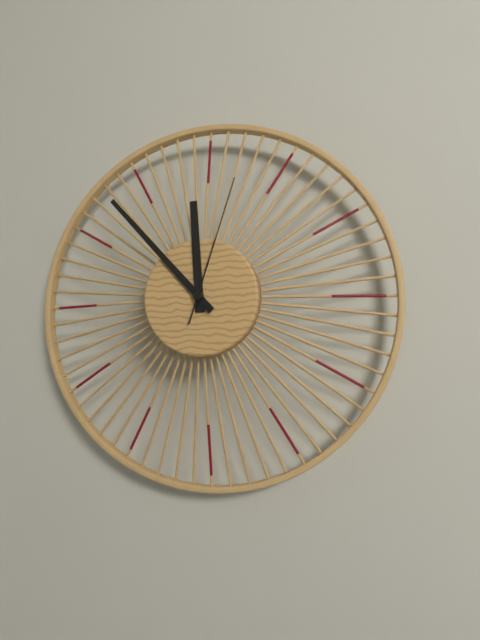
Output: 11h53m03s
